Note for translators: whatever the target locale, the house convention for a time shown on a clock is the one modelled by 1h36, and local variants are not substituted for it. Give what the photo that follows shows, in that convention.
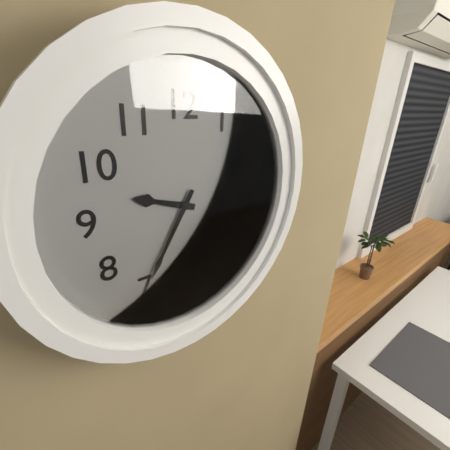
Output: 9h35
